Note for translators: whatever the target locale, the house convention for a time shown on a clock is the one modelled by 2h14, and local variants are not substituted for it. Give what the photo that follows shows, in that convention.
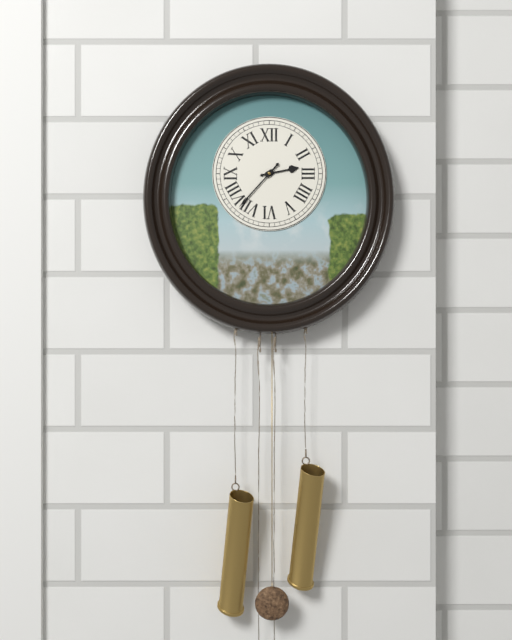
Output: 2h37
